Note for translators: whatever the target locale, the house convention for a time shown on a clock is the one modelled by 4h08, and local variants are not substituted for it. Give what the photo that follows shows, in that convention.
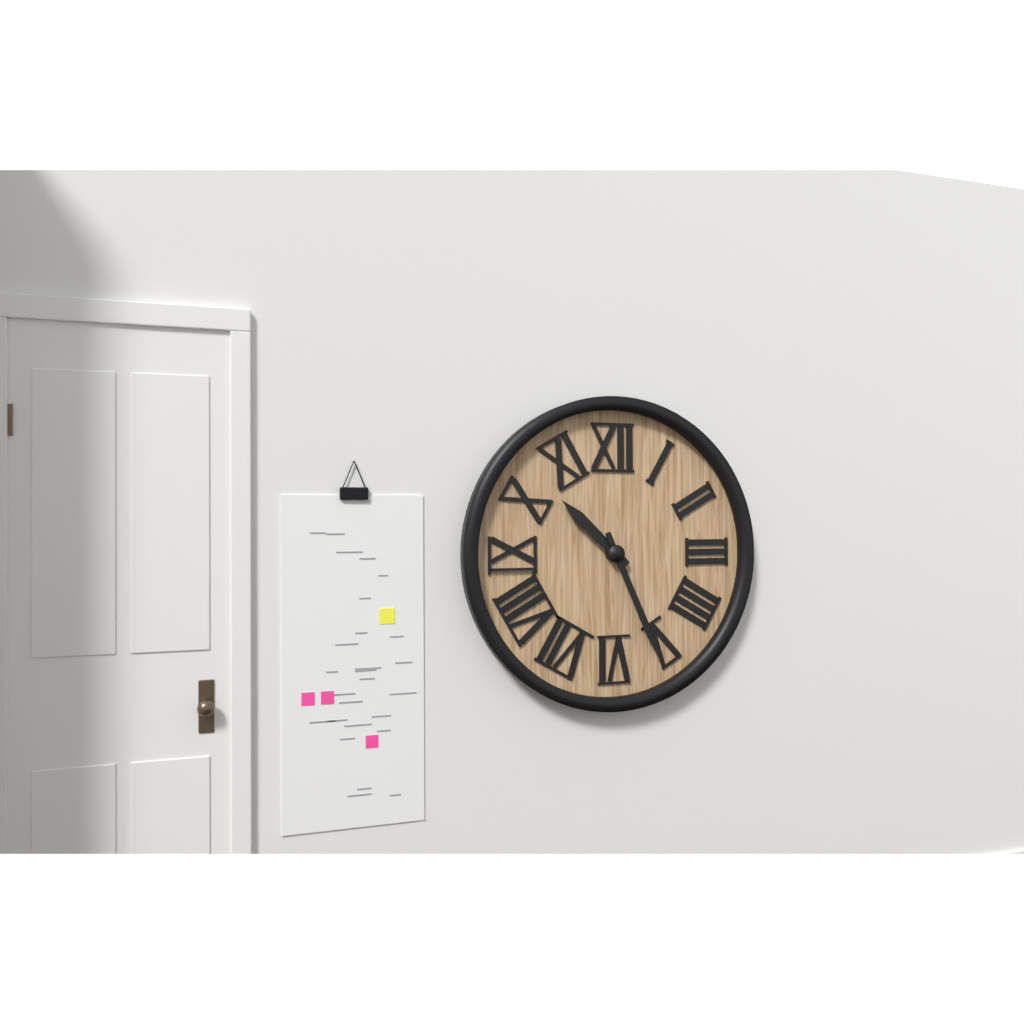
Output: 10h26
